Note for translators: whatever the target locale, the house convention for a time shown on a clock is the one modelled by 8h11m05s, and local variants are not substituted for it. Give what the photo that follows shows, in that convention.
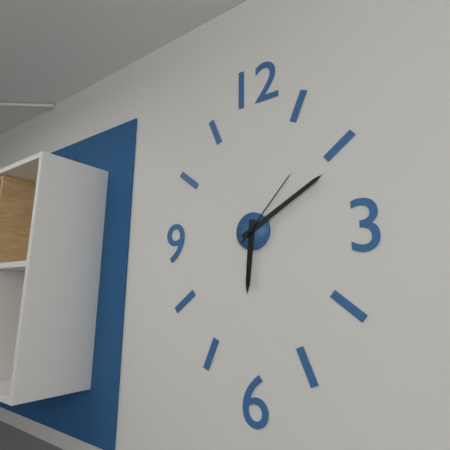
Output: 6h10m07s
